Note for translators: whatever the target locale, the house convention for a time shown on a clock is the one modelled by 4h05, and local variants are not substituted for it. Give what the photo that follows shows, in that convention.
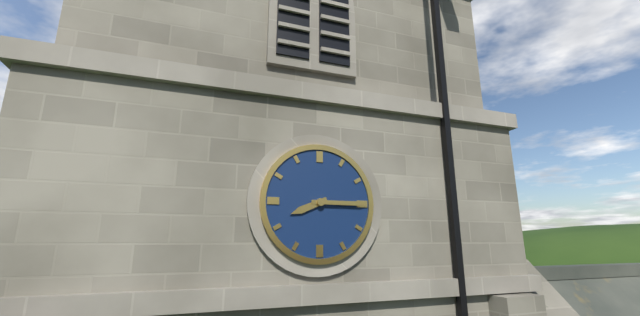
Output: 8h15
